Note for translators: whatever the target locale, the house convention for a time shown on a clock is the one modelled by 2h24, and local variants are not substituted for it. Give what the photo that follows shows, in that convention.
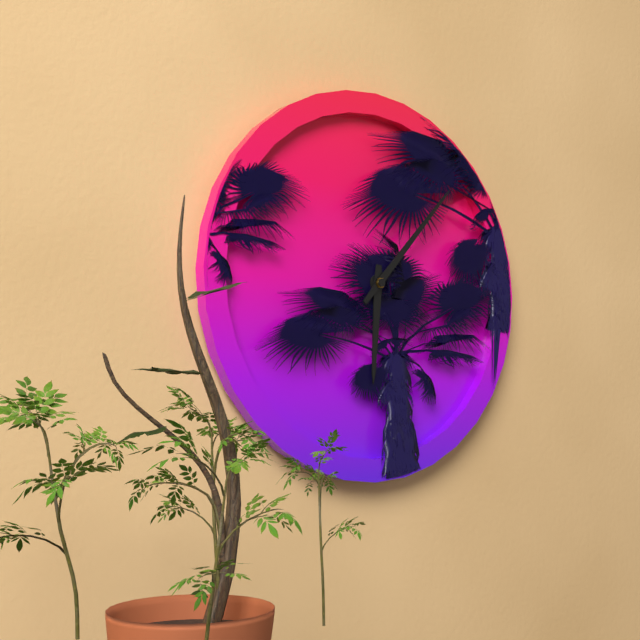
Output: 6h07
